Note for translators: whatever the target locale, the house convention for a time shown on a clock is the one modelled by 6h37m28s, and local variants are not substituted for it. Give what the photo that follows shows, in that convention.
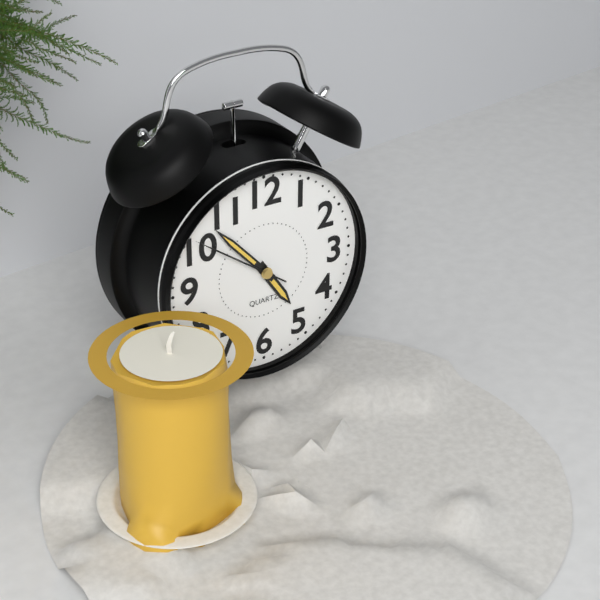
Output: 4h53m51s
